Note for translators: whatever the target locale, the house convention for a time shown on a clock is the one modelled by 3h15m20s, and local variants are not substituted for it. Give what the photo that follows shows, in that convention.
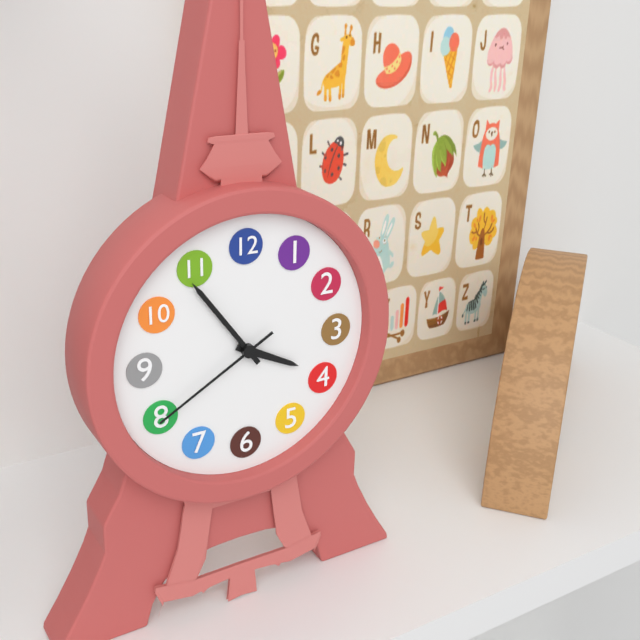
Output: 3h54m40s
